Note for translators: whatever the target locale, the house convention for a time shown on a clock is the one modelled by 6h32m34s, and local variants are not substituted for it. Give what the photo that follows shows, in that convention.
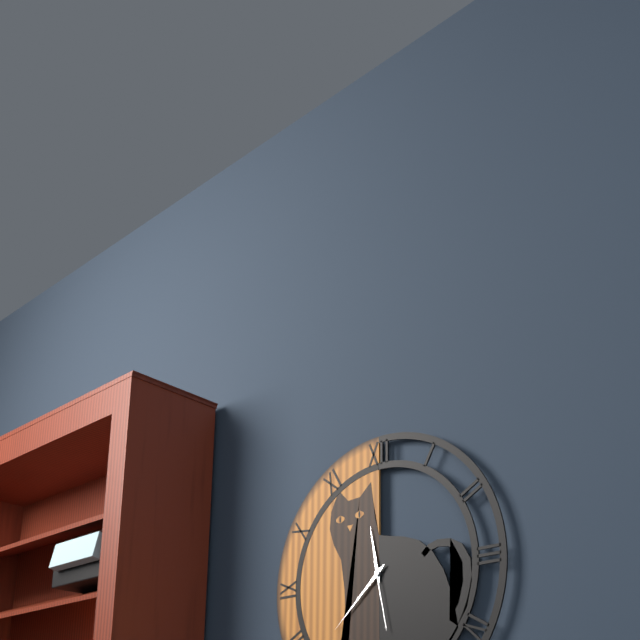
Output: 11h38m28s
